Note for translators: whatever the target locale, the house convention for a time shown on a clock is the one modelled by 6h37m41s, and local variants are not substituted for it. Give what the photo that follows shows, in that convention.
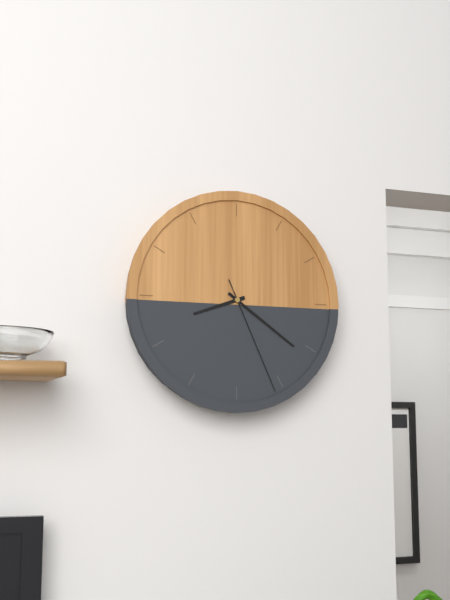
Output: 8h21m26s
